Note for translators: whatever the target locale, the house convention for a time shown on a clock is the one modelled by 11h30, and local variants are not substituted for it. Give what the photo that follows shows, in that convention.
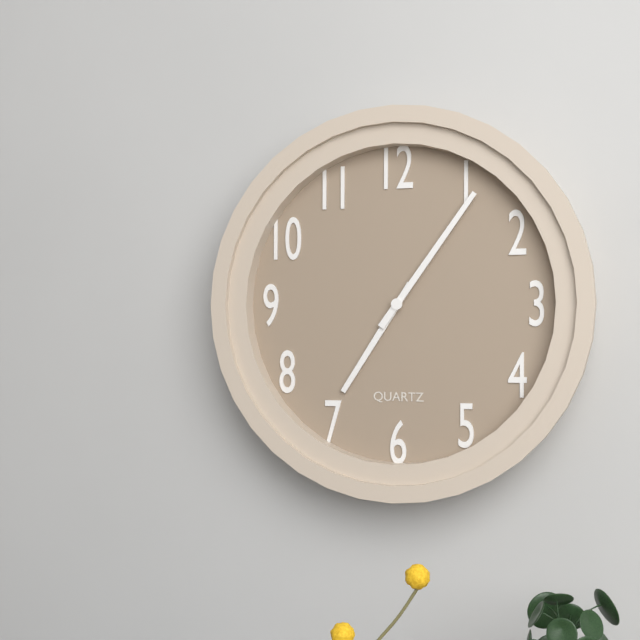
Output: 7h06
